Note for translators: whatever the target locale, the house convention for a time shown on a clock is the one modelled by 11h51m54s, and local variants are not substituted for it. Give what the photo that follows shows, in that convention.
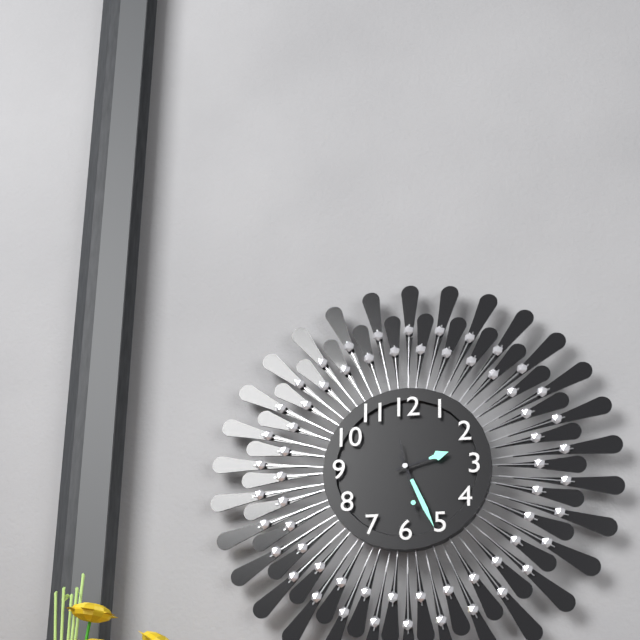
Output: 2h26m28s
